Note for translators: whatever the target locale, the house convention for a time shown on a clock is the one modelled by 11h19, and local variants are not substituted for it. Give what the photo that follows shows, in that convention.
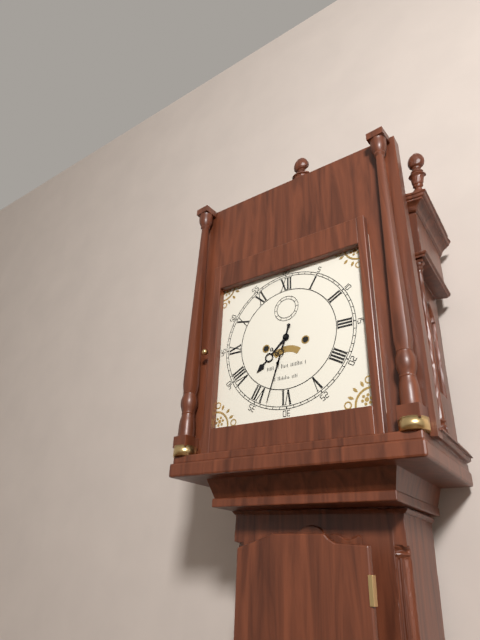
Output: 7h33
